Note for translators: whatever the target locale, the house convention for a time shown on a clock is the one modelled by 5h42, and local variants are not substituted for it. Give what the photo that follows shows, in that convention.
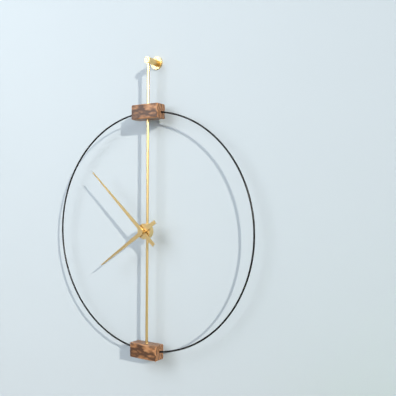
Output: 7h52
